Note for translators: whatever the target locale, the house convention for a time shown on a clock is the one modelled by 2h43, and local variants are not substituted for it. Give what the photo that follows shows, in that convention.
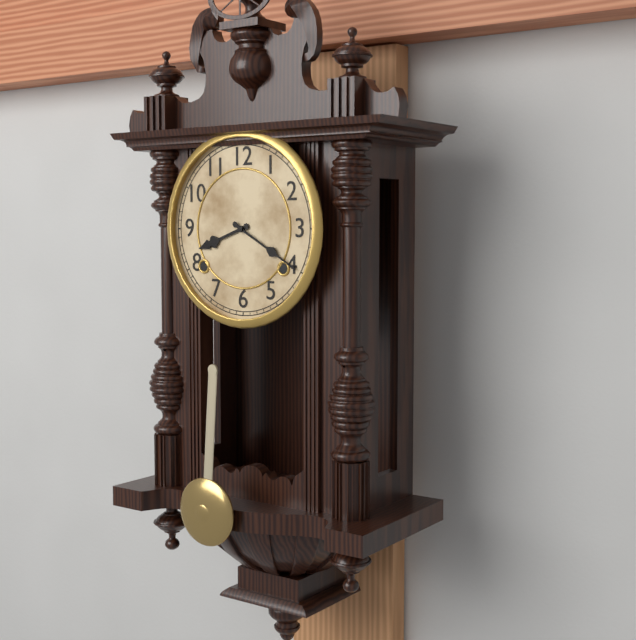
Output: 8h20
